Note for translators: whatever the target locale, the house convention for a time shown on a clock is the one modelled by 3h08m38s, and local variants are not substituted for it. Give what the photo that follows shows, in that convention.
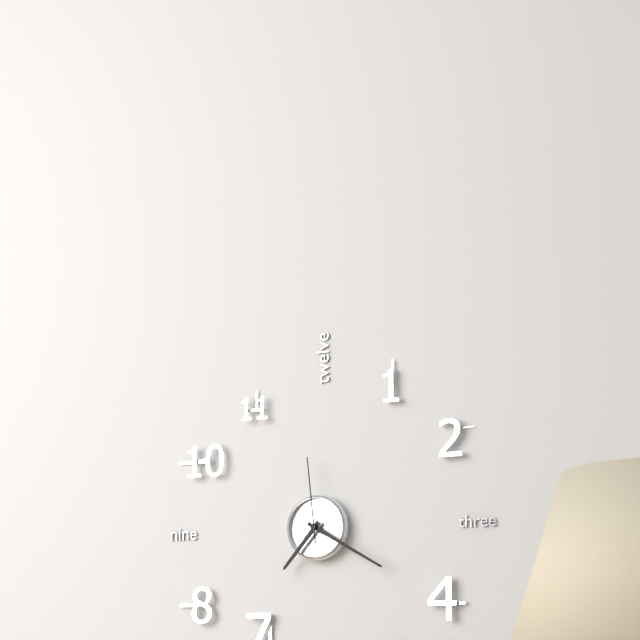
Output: 7h20m59s
